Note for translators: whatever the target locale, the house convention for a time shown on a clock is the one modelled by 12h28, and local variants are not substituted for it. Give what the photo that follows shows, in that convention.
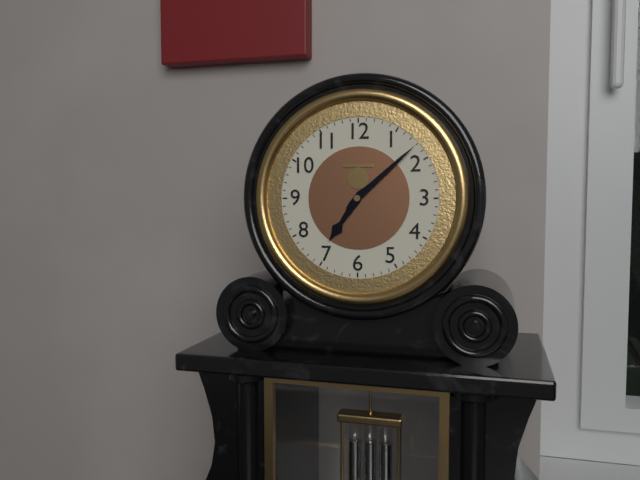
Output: 7h08
